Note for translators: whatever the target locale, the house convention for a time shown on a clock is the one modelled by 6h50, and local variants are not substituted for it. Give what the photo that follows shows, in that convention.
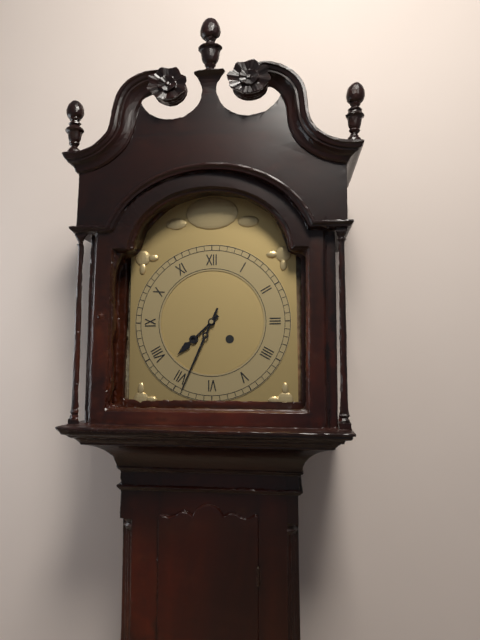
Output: 7h34
